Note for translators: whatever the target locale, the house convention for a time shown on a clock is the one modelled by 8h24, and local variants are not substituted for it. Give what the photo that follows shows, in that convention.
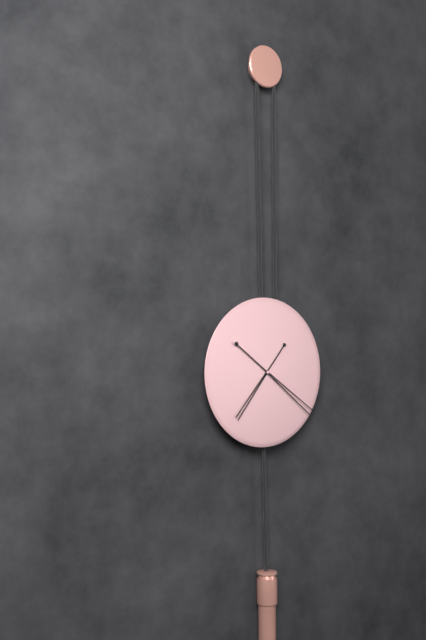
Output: 7h21
